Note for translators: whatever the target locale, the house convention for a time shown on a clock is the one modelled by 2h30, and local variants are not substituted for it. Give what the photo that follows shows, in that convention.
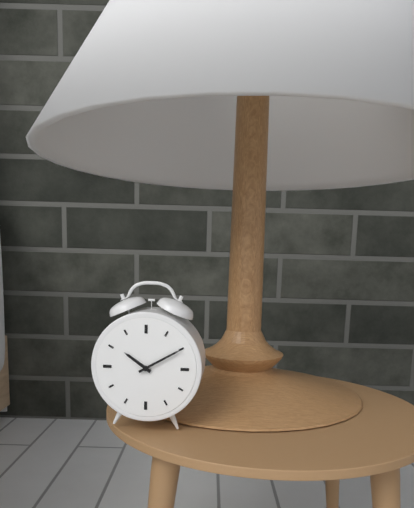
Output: 10h10
